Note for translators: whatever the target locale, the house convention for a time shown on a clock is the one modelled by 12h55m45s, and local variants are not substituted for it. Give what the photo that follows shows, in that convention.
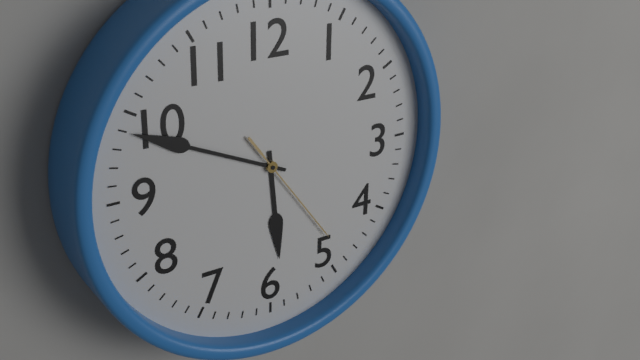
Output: 5h49m24s
